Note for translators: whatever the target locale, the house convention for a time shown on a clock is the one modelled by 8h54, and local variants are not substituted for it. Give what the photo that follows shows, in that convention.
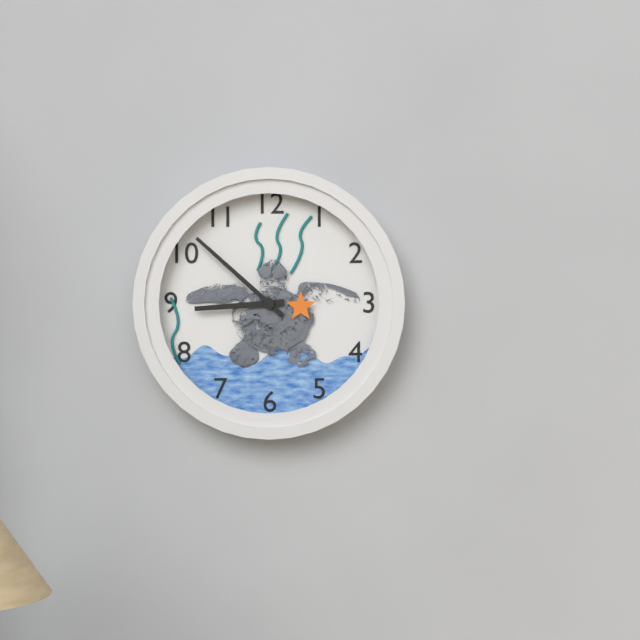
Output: 8h52
